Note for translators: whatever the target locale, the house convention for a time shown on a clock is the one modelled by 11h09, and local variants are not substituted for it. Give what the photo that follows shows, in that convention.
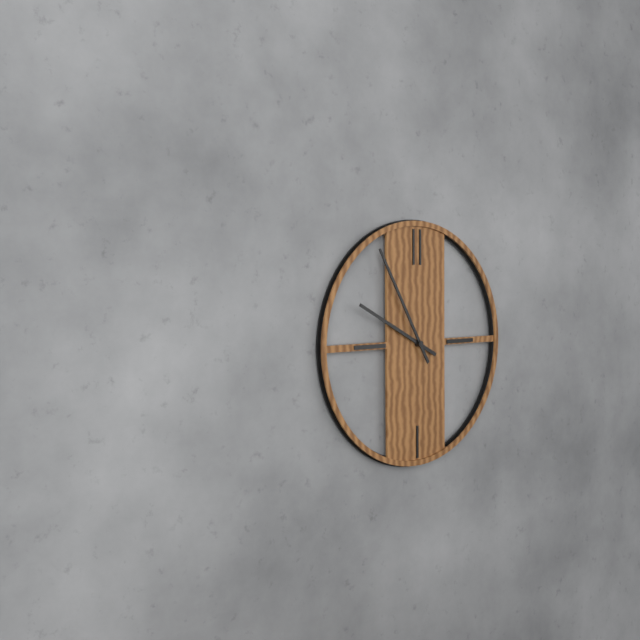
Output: 9h55
